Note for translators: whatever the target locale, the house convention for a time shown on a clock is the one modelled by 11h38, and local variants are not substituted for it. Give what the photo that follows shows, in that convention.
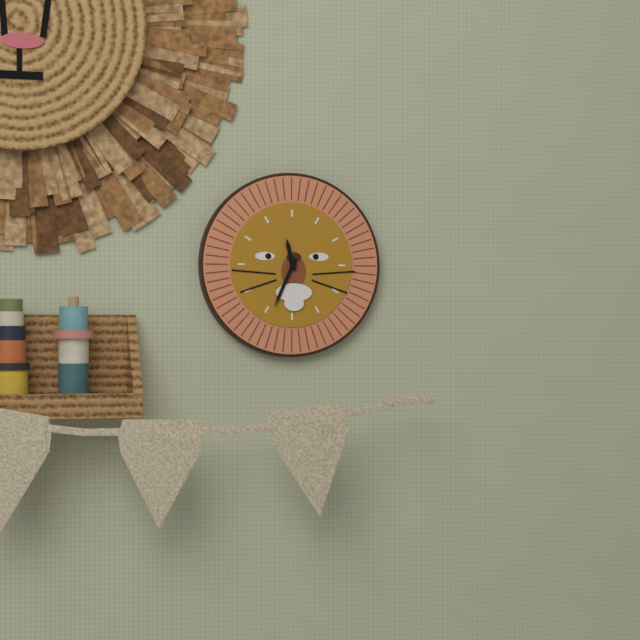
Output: 11h34
